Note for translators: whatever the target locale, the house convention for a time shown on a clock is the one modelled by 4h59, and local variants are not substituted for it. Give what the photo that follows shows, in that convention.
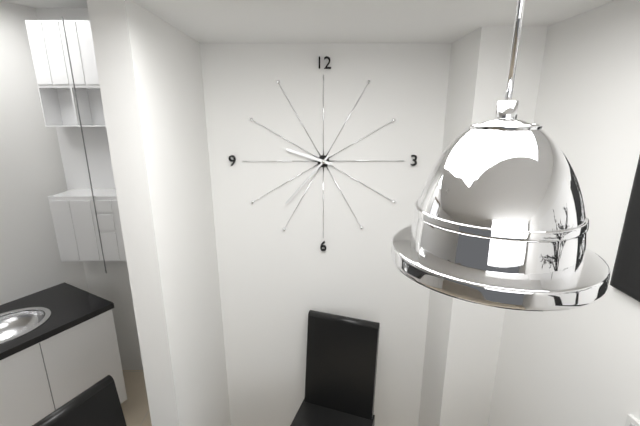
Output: 9h37
